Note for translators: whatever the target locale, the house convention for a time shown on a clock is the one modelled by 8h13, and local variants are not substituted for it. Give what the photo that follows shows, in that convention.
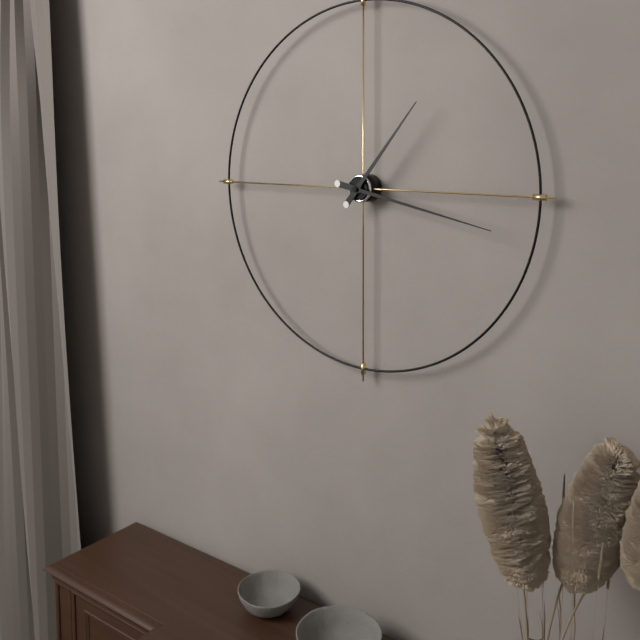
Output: 1h17
